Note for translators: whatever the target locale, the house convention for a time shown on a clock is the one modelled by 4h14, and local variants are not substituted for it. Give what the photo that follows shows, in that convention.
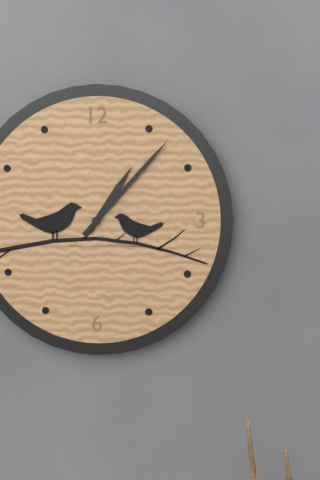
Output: 1h07
